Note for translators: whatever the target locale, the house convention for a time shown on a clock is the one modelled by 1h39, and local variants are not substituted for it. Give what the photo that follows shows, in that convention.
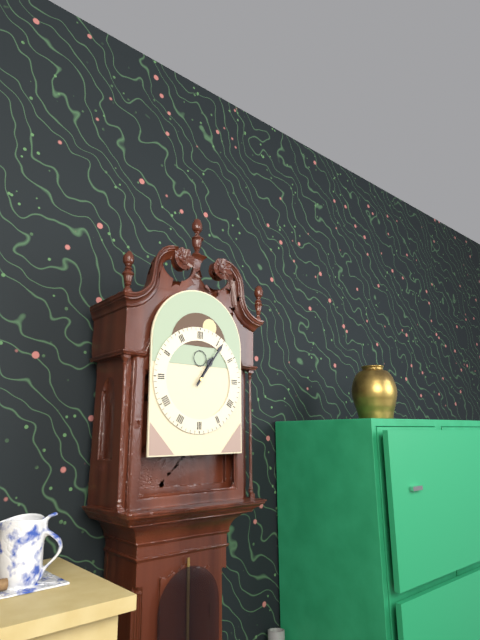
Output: 1h06
